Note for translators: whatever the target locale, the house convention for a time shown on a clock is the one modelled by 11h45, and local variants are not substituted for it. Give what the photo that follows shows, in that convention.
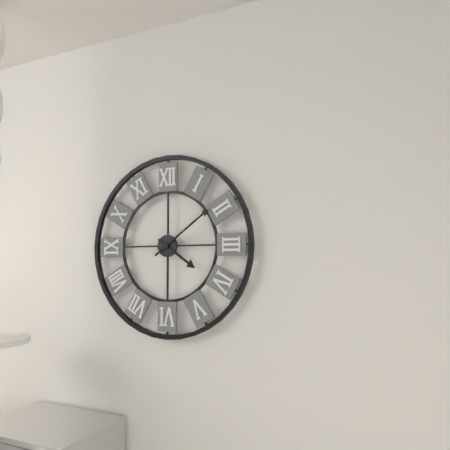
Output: 4h09
